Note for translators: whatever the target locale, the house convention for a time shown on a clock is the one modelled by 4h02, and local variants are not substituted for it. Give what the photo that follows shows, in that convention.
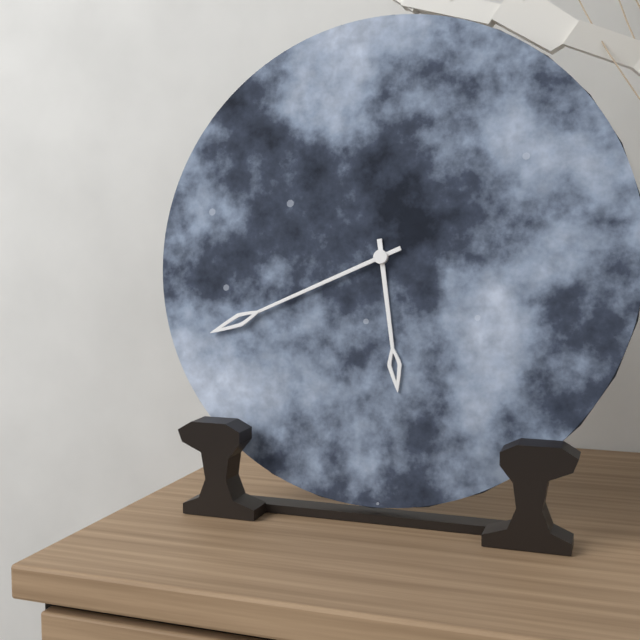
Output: 5h41
